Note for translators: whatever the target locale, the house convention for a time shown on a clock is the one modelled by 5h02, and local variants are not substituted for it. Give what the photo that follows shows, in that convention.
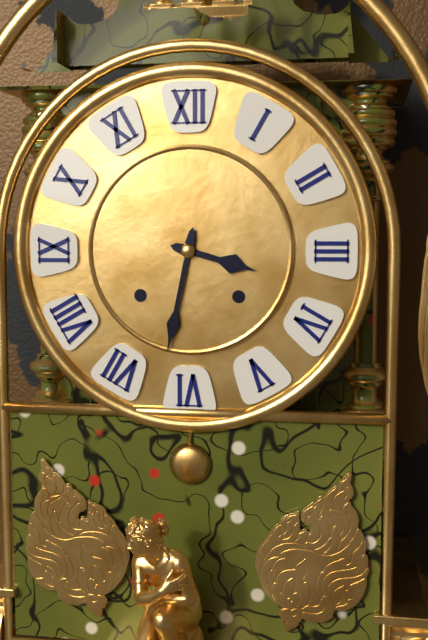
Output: 3h32
